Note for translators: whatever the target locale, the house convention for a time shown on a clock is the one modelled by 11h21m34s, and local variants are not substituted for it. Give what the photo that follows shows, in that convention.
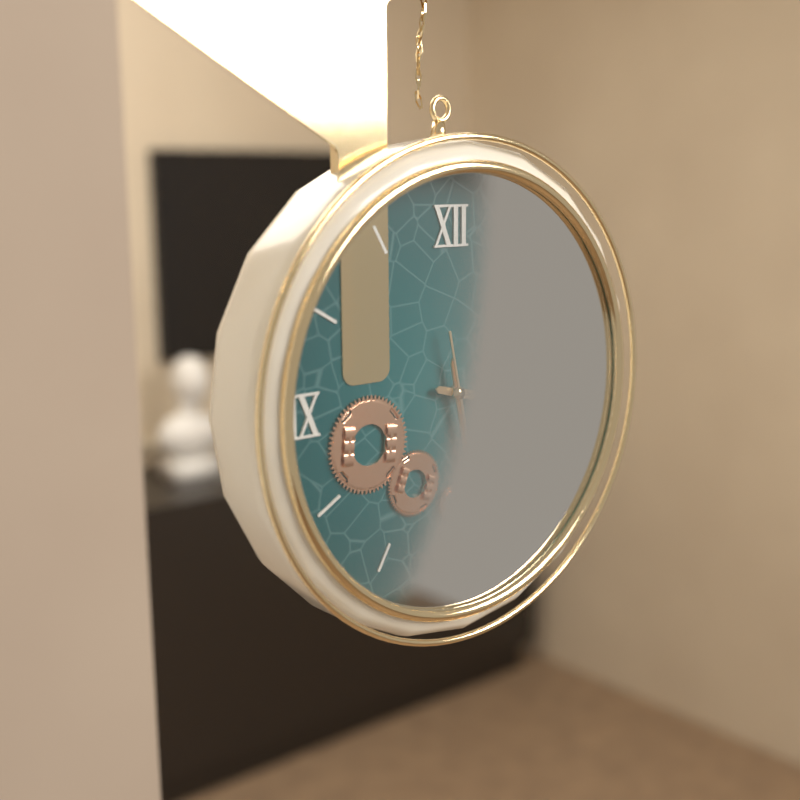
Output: 3h28m28s
